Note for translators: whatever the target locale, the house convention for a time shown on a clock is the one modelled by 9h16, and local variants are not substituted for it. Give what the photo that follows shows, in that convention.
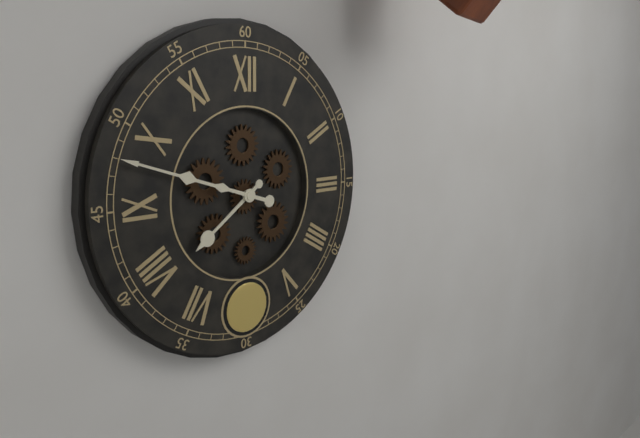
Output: 7h48
